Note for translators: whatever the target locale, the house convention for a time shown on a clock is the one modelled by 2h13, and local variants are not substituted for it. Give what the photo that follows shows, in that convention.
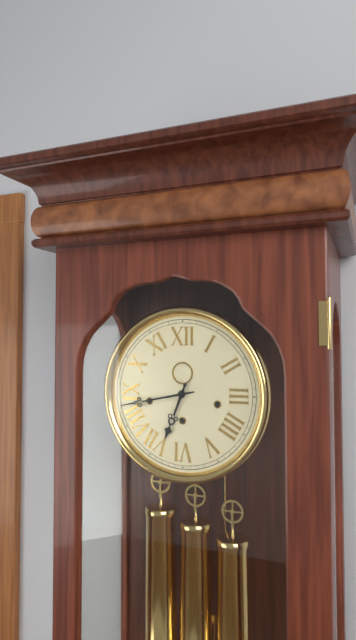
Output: 6h43
